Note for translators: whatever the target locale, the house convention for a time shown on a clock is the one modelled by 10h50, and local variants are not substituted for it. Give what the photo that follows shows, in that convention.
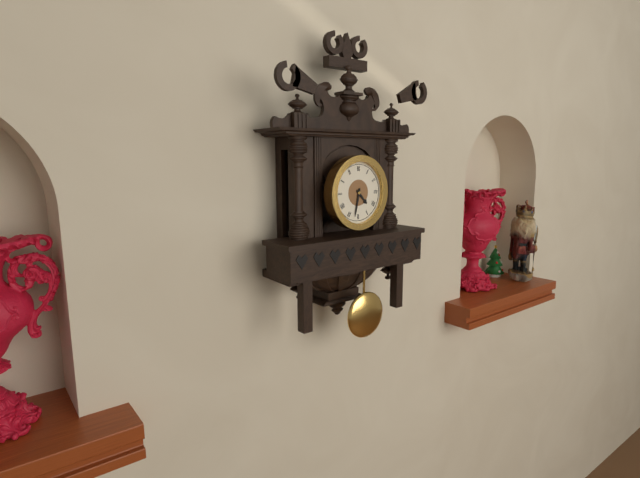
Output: 4h32
